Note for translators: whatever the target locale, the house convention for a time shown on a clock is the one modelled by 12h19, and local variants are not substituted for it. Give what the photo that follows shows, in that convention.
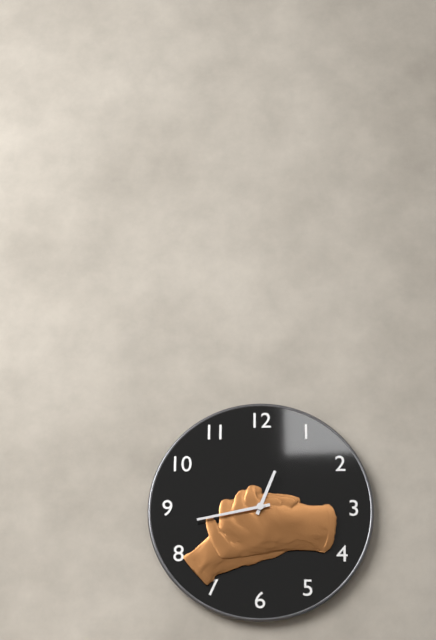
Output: 12h43
